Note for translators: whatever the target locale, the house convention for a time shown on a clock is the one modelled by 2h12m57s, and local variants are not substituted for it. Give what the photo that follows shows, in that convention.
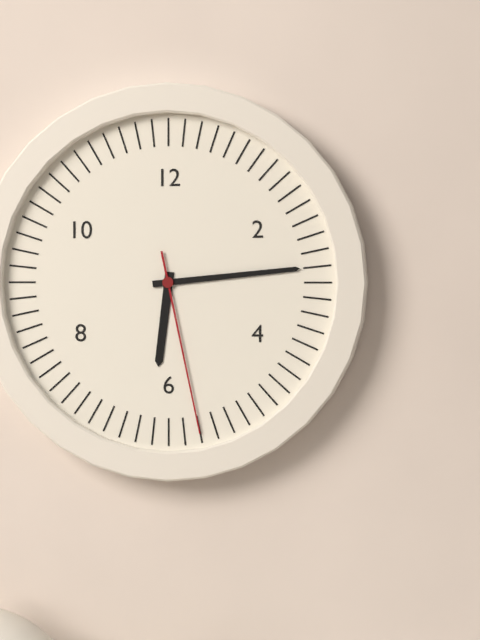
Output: 6h14m28s
